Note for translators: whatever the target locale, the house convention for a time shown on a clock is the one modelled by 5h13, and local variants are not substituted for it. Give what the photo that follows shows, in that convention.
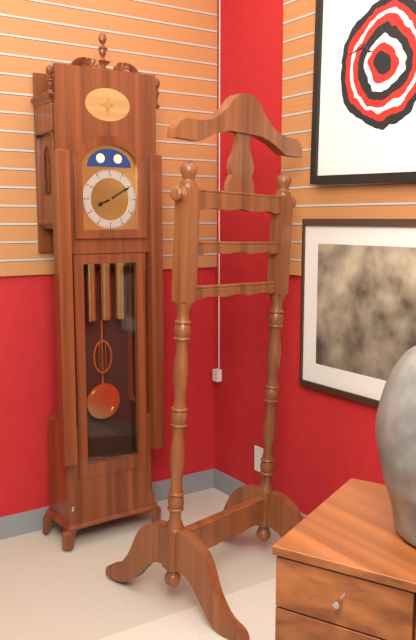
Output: 8h10
